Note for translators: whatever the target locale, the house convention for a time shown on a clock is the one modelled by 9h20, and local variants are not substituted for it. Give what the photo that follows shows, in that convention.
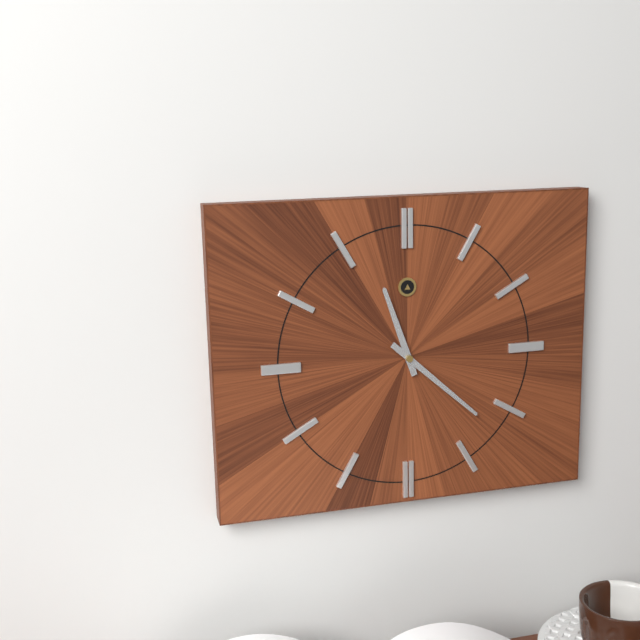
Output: 11h22
